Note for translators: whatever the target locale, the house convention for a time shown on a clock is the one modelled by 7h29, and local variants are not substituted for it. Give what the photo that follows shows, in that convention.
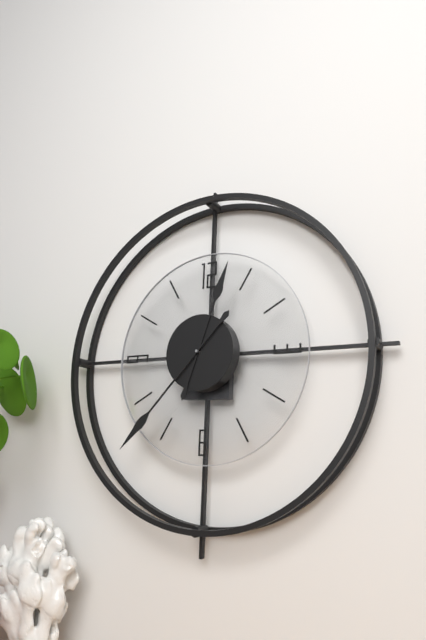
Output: 12h37
